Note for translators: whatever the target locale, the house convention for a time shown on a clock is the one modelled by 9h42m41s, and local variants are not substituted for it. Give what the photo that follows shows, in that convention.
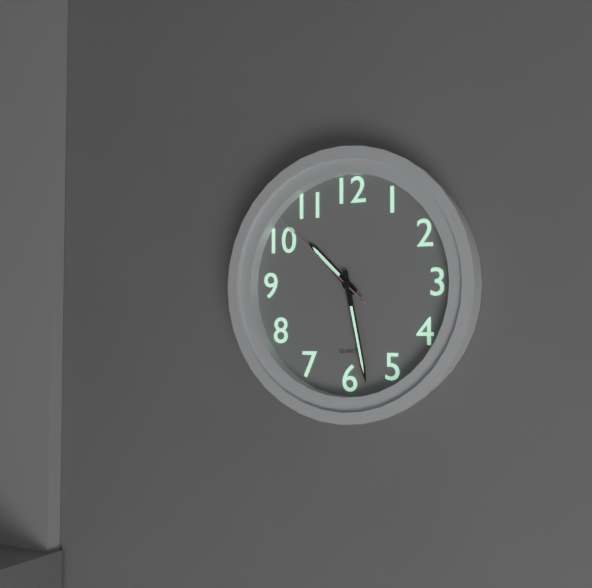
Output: 10h28m52s
